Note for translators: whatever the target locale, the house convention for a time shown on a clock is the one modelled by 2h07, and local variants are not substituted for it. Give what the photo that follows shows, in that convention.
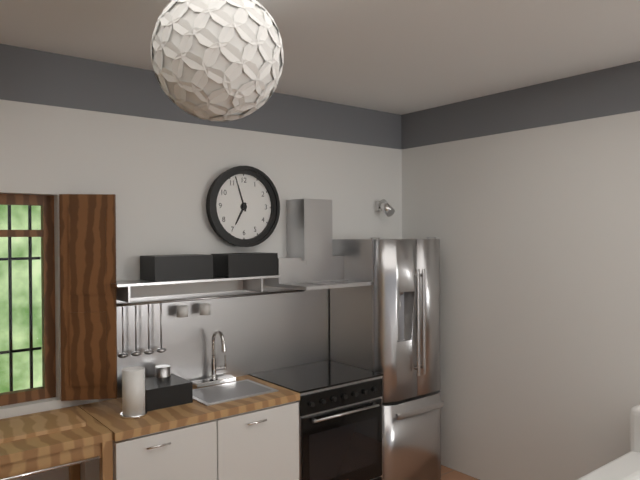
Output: 6h57
